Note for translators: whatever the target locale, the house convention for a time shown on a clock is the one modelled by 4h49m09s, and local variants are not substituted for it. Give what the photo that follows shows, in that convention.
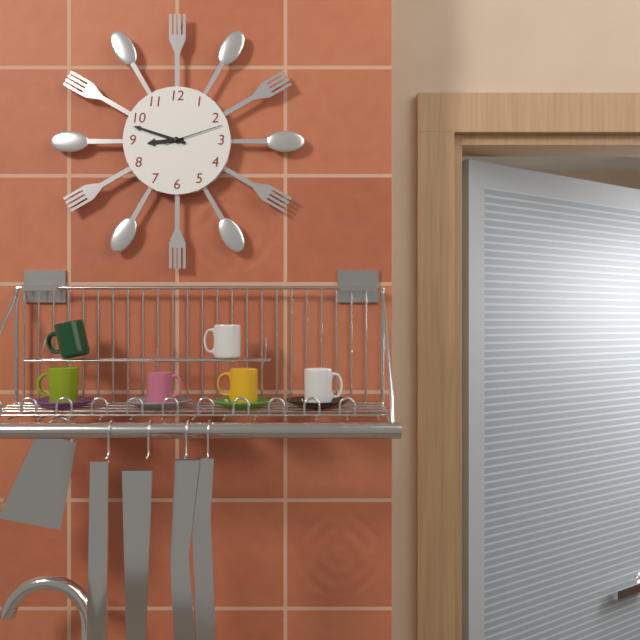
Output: 8h48m12s
